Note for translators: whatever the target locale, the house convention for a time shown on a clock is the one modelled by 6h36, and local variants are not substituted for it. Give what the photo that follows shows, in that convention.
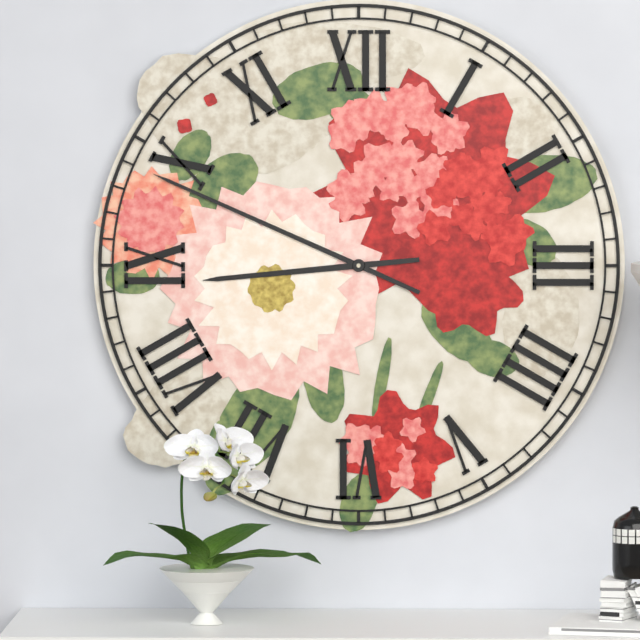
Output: 8h49
